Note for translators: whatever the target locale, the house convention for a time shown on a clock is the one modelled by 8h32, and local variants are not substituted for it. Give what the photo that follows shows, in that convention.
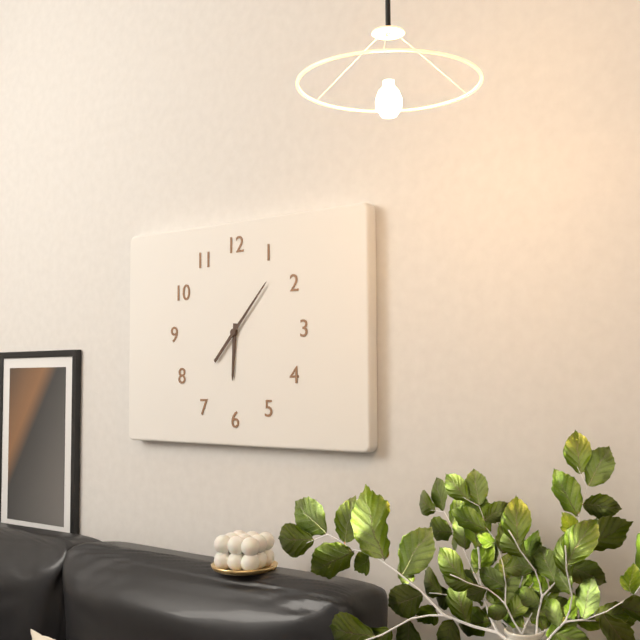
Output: 6h07
